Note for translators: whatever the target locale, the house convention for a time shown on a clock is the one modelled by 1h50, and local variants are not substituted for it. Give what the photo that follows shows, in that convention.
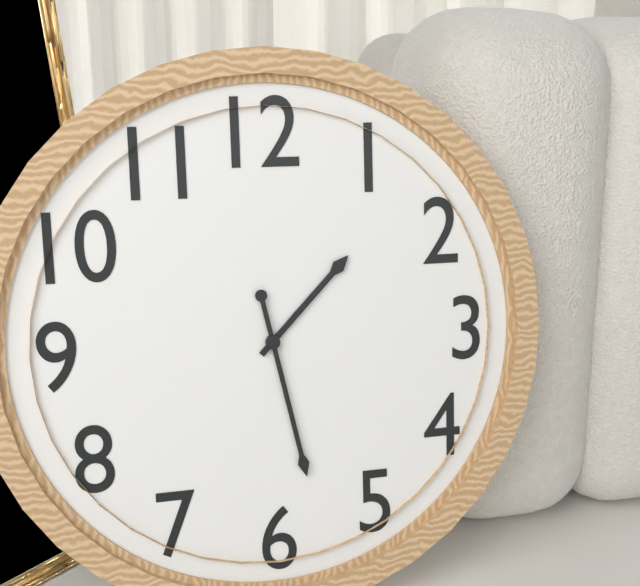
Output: 1h28
